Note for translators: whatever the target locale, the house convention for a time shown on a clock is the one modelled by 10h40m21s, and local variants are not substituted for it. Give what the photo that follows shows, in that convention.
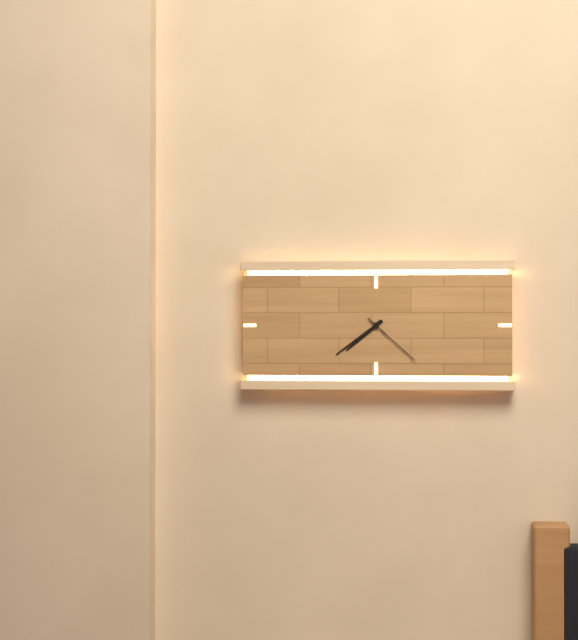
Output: 7h39m22s
